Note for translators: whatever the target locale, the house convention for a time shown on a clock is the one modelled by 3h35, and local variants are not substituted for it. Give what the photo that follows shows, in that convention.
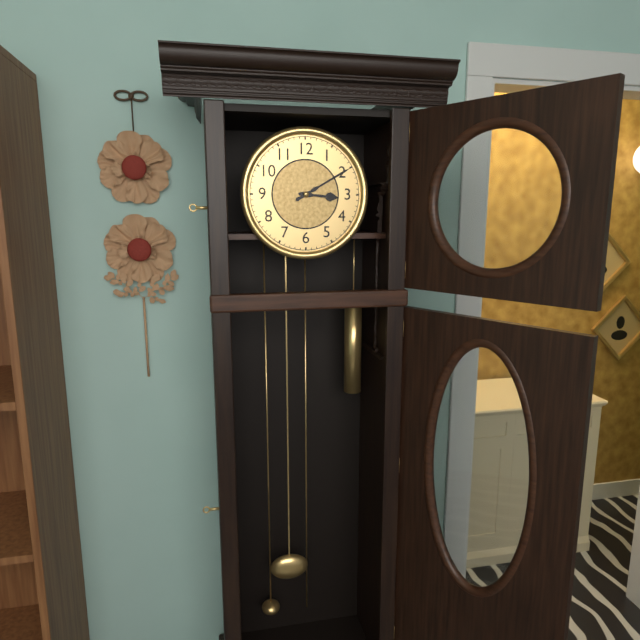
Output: 3h10
